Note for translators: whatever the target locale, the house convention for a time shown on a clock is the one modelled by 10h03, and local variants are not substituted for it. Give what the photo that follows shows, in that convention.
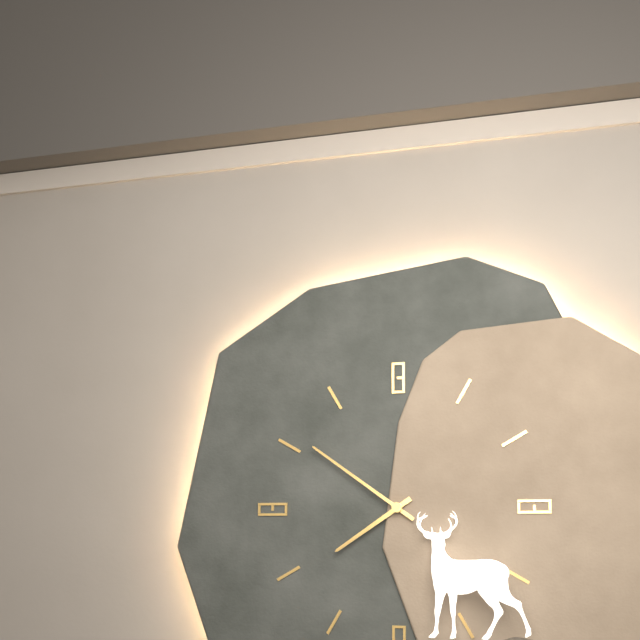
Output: 7h51
